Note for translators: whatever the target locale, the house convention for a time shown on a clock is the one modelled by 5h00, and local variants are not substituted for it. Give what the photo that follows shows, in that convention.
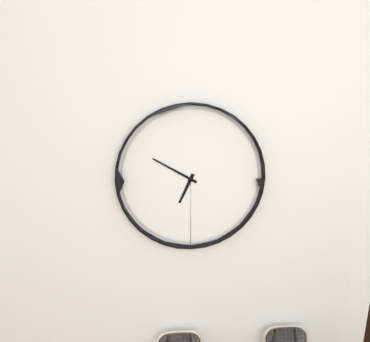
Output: 6h50
